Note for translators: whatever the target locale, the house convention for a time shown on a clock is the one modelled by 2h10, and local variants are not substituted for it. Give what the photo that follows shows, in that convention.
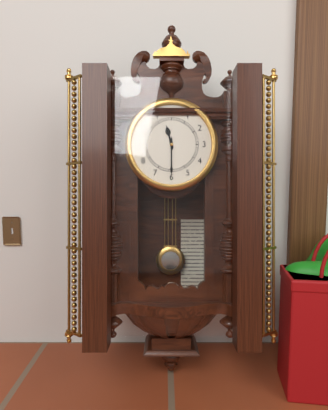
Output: 11h30
